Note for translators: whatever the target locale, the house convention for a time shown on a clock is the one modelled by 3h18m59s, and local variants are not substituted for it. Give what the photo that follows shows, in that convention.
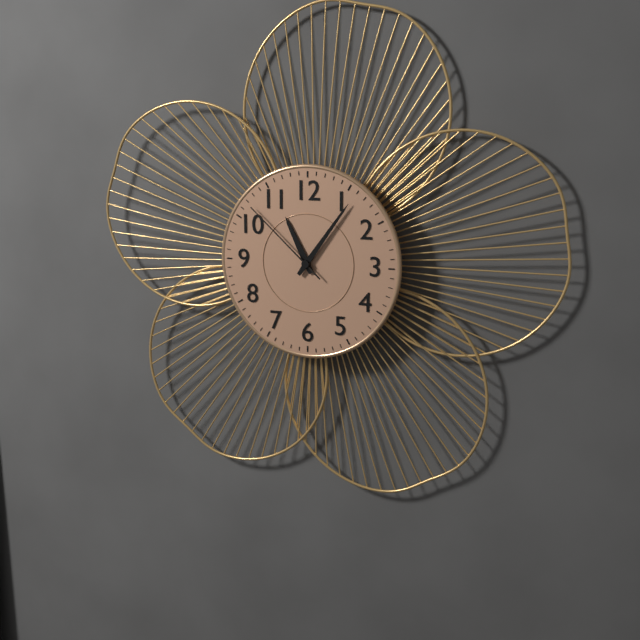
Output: 11h06m52s
